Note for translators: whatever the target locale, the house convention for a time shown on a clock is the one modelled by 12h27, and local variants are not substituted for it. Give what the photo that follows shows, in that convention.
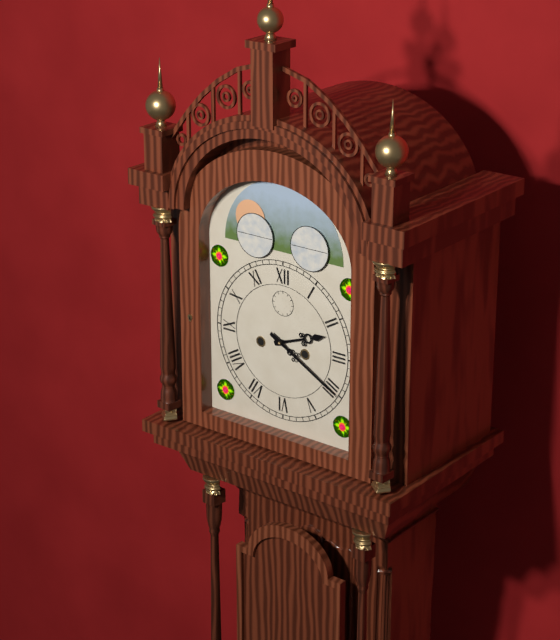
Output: 2h20
